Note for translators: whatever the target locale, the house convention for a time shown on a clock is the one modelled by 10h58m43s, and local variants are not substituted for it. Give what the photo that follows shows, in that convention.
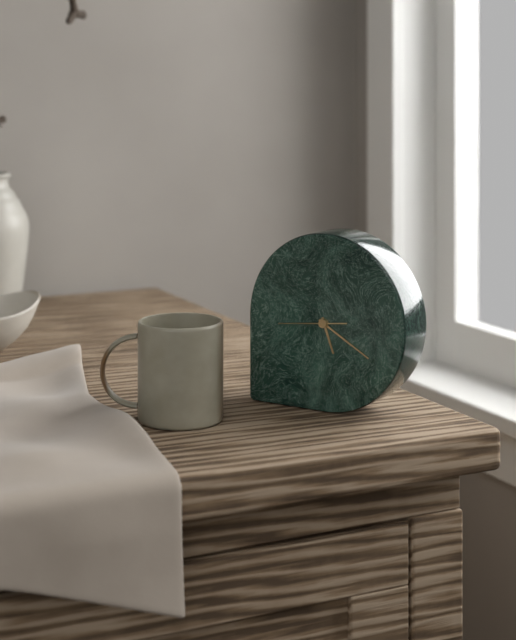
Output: 5h20m44s
